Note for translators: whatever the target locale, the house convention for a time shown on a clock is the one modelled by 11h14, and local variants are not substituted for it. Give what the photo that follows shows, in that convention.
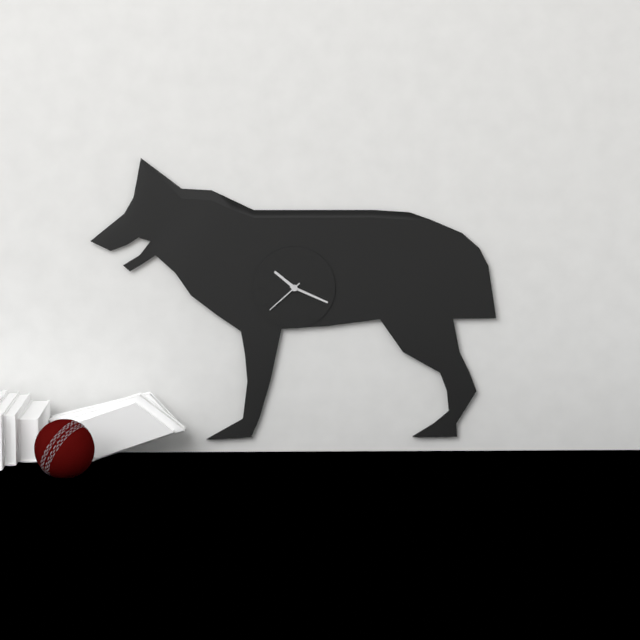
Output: 10h19
